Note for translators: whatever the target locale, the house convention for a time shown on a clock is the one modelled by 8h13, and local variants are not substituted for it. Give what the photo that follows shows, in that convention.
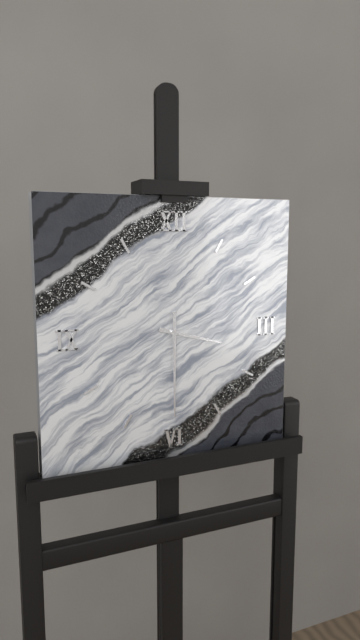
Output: 3h30
